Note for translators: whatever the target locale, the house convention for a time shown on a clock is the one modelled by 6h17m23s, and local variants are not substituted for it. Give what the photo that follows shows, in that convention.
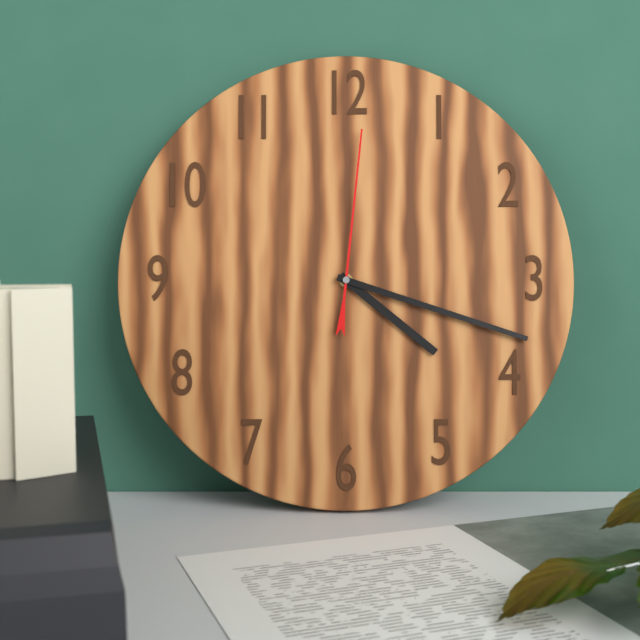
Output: 4h18m01s
